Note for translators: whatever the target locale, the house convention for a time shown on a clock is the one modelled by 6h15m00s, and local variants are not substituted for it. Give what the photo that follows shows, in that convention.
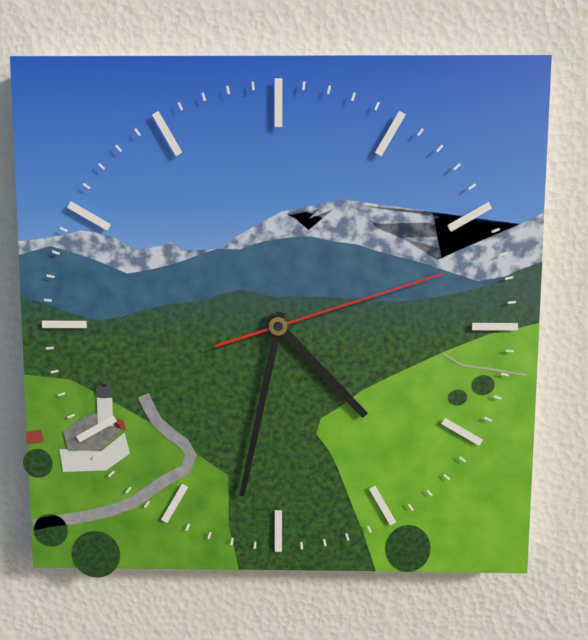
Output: 4h32m12s
